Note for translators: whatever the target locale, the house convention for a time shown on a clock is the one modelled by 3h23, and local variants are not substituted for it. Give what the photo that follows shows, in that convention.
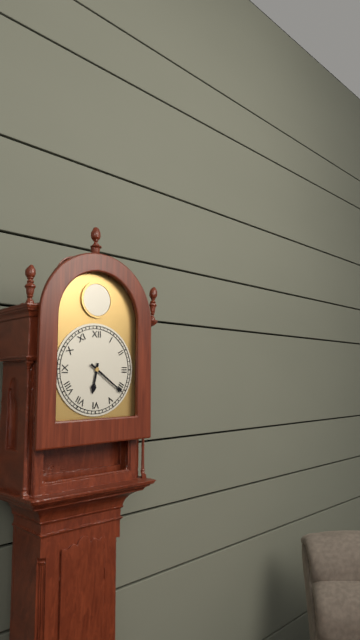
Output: 6h21
